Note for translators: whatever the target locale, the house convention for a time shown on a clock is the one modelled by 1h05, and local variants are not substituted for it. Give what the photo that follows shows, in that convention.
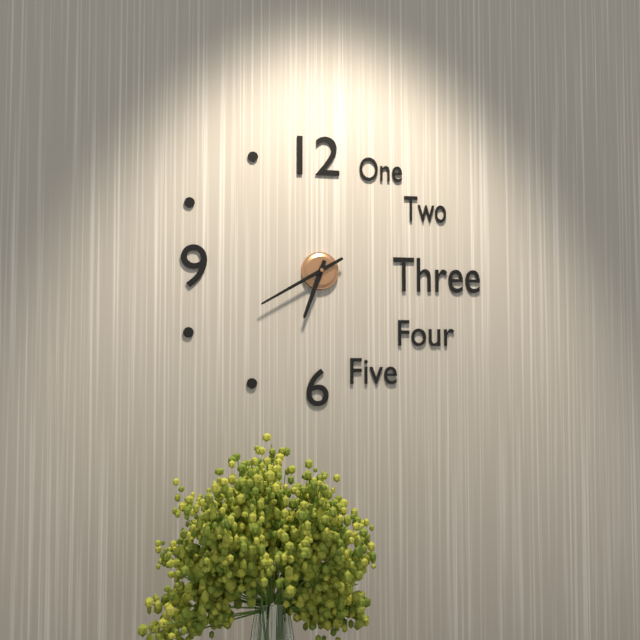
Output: 6h40
